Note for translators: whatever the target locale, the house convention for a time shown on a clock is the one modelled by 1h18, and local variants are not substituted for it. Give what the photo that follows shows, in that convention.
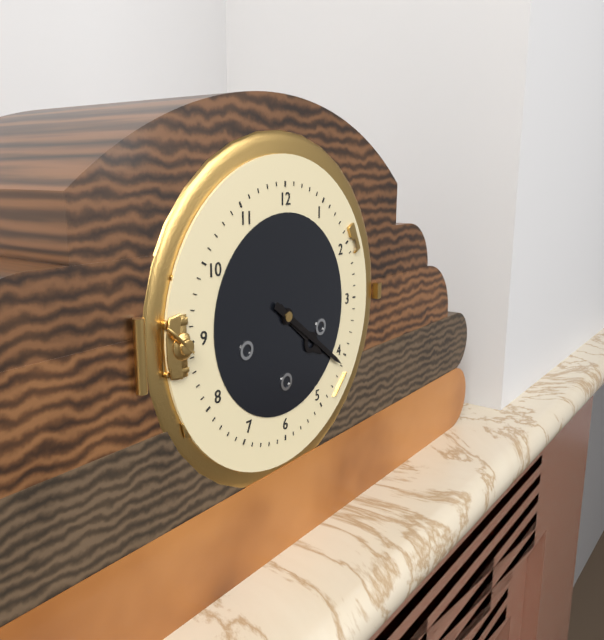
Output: 4h21
